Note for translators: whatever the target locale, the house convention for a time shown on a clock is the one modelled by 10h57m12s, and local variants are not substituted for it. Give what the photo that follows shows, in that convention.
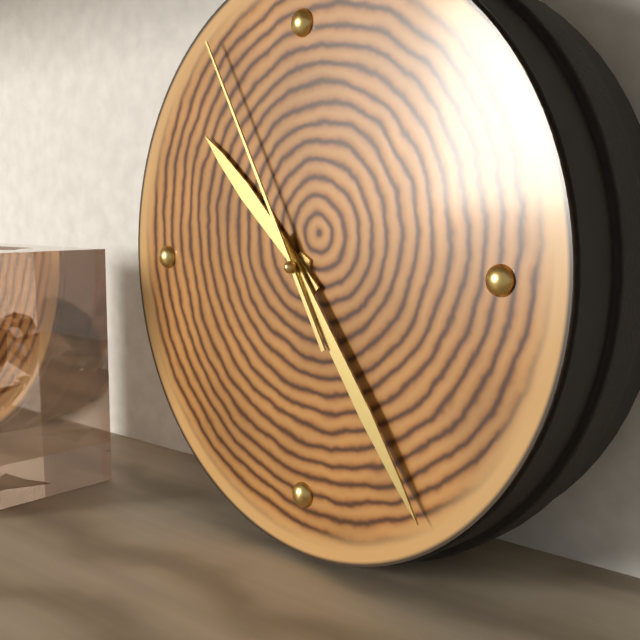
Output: 10h24m55s
